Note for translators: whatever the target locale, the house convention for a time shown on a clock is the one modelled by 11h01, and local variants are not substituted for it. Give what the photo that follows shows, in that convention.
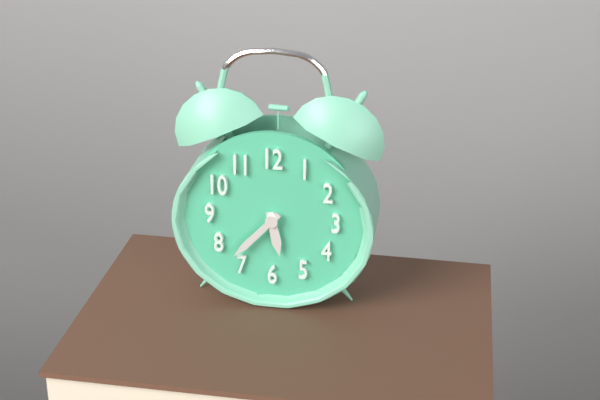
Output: 5h37
